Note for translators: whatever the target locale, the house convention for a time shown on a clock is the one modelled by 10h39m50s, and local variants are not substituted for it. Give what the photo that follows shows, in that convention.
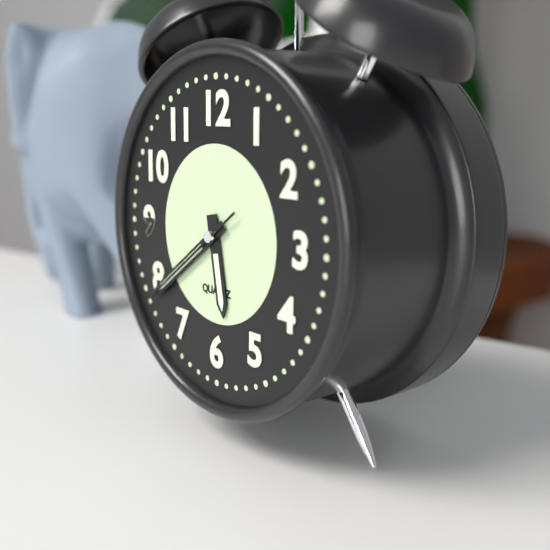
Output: 5h39m39s
